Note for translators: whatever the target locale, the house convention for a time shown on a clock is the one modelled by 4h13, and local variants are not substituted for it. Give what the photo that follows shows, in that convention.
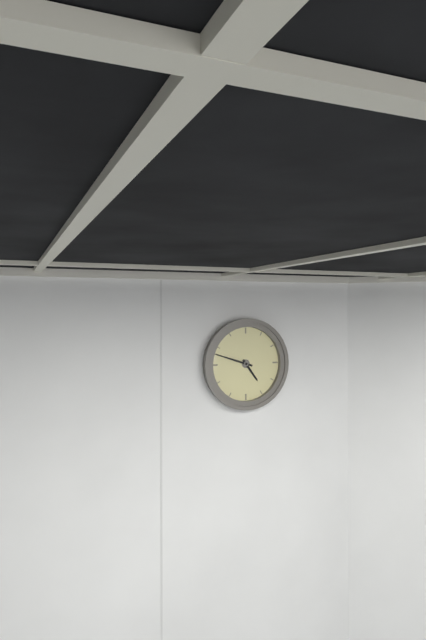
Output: 4h48
